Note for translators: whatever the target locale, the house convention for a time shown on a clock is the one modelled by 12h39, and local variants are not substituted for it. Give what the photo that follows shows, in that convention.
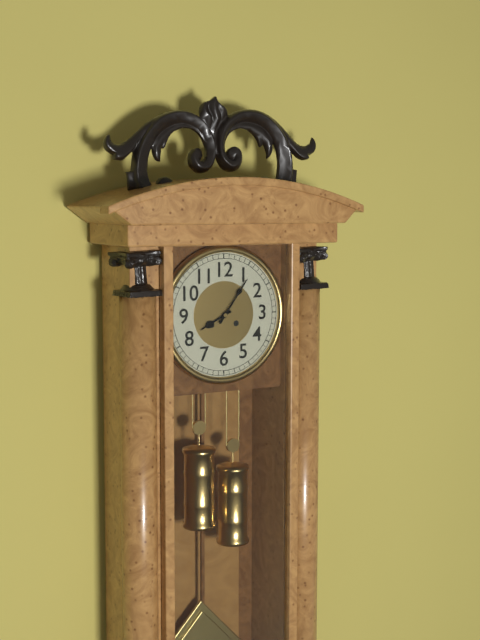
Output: 8h06
